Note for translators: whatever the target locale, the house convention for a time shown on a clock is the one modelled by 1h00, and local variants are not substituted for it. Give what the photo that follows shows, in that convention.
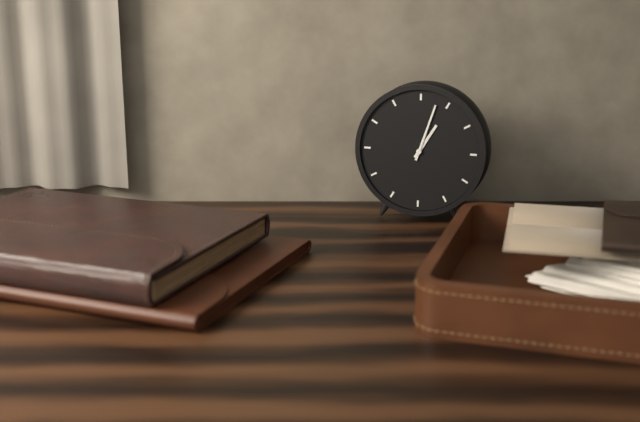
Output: 1h03
